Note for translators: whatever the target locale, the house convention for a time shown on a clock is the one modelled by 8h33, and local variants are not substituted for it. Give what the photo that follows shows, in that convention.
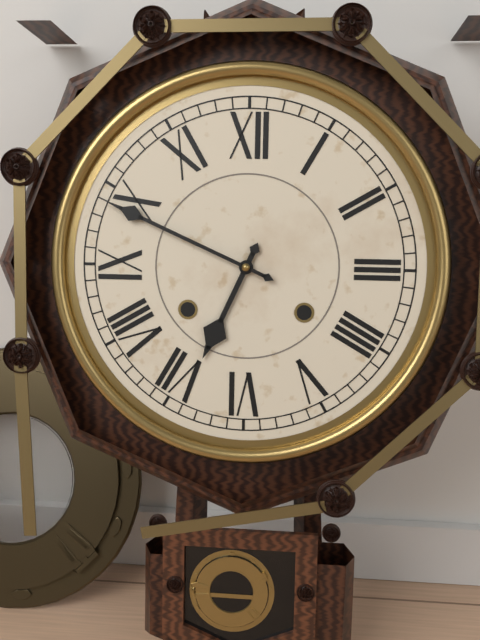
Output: 6h49
